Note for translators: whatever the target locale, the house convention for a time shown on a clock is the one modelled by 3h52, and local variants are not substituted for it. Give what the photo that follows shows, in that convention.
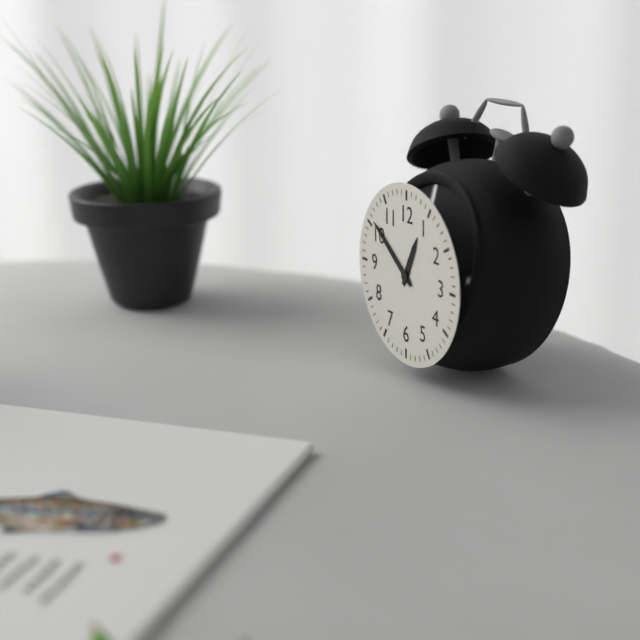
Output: 12h51
